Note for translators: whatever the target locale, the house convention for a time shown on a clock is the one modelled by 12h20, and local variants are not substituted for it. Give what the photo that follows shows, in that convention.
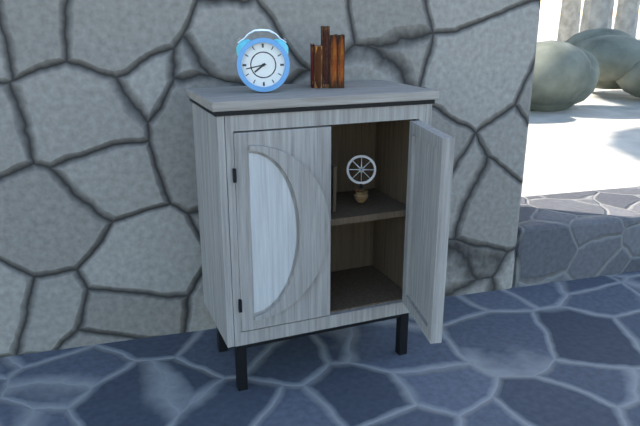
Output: 7h43
